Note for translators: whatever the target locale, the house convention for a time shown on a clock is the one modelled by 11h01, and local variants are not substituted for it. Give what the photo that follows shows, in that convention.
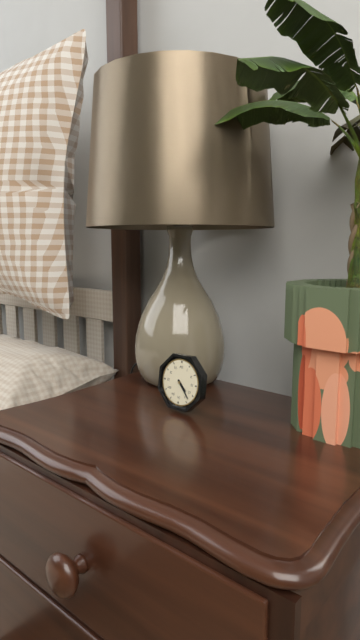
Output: 4h23
